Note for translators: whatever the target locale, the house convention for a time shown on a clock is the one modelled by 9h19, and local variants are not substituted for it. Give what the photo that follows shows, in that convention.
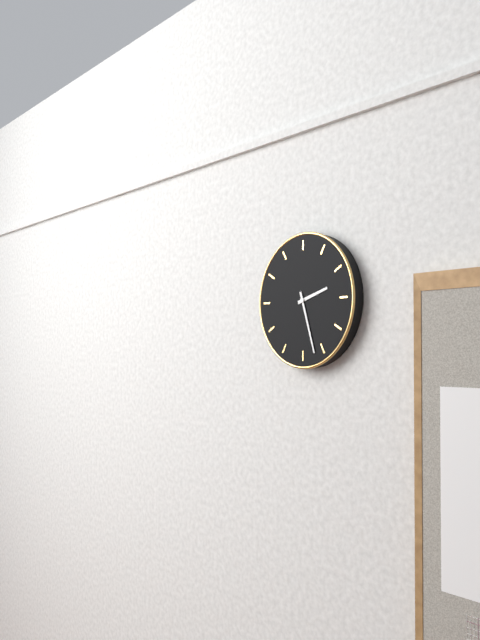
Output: 2h27
